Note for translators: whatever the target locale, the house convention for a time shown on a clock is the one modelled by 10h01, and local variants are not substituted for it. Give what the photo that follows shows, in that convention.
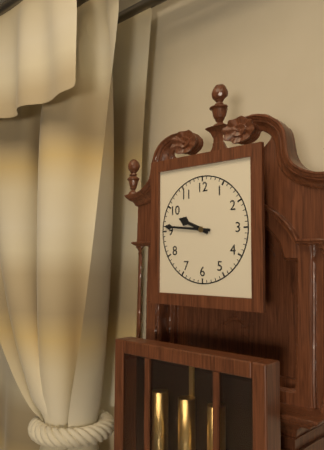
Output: 9h46
